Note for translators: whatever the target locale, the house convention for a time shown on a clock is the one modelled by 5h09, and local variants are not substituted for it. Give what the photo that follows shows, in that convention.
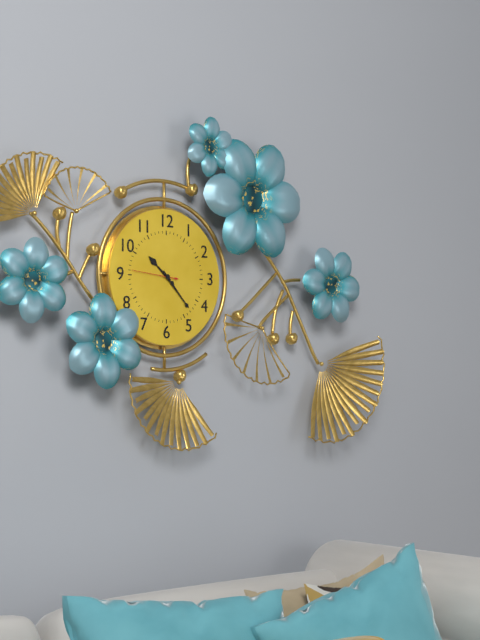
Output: 10h23
